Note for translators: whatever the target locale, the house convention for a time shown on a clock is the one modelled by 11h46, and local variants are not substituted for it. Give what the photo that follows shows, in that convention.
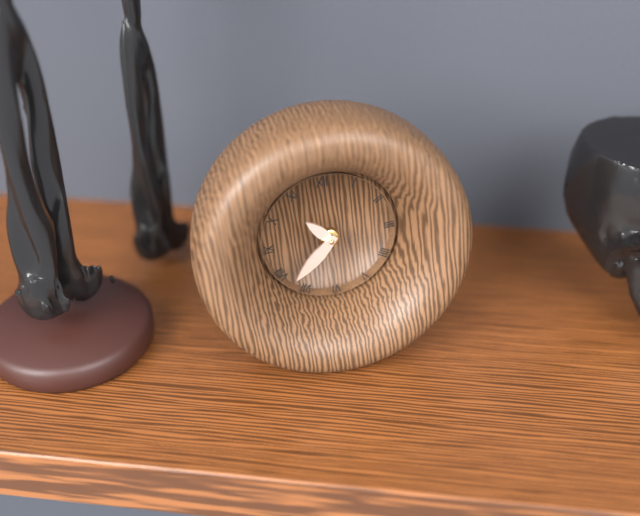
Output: 10h38
